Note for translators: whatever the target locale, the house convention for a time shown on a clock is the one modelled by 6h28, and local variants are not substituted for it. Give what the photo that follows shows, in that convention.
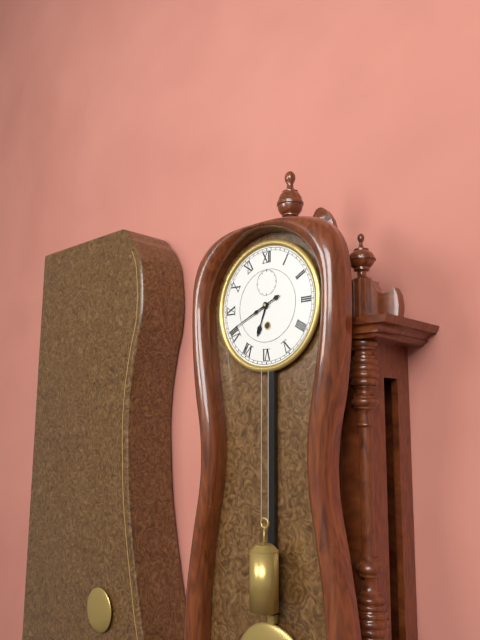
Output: 6h41
